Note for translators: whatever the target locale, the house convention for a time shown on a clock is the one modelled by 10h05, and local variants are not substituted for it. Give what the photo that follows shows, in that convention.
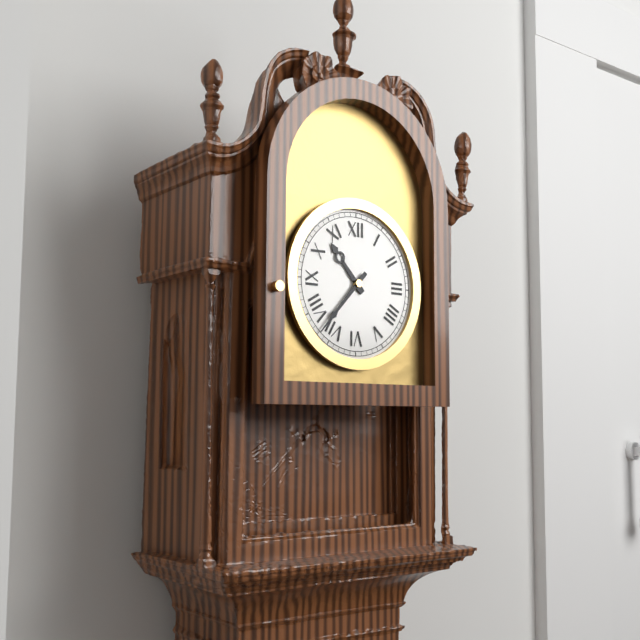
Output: 10h37
